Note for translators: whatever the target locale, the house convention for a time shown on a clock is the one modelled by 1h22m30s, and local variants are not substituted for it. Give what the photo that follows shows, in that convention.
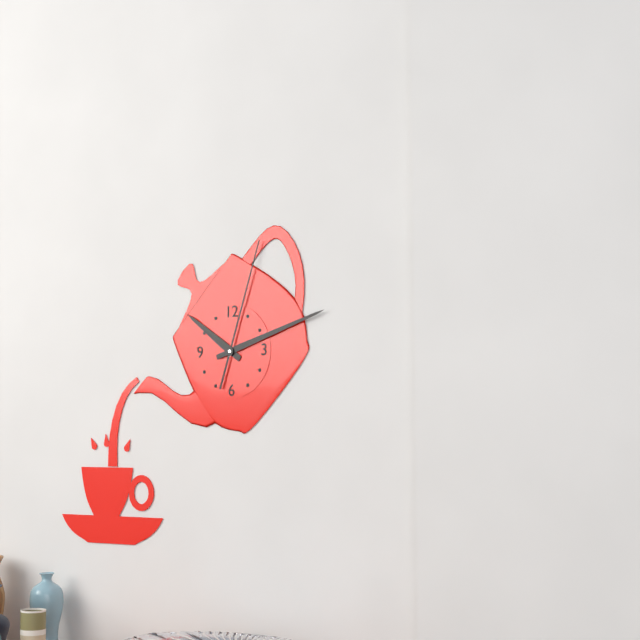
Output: 10h12m03s
